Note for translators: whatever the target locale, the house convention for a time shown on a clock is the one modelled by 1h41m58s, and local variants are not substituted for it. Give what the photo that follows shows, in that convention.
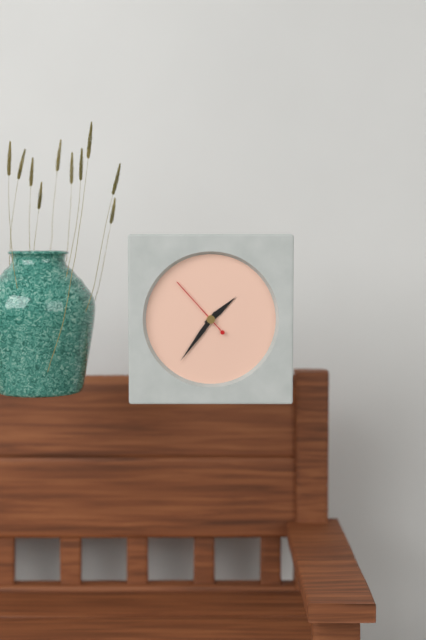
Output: 1h36m53s
